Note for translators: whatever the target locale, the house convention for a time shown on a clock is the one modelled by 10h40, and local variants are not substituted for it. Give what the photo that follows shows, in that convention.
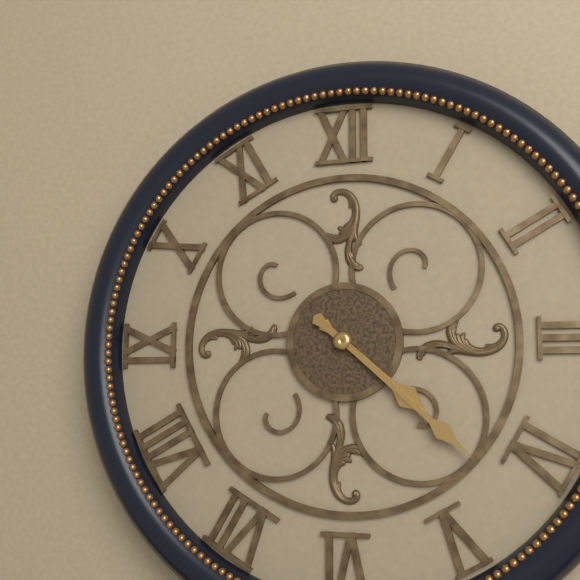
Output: 4h22
